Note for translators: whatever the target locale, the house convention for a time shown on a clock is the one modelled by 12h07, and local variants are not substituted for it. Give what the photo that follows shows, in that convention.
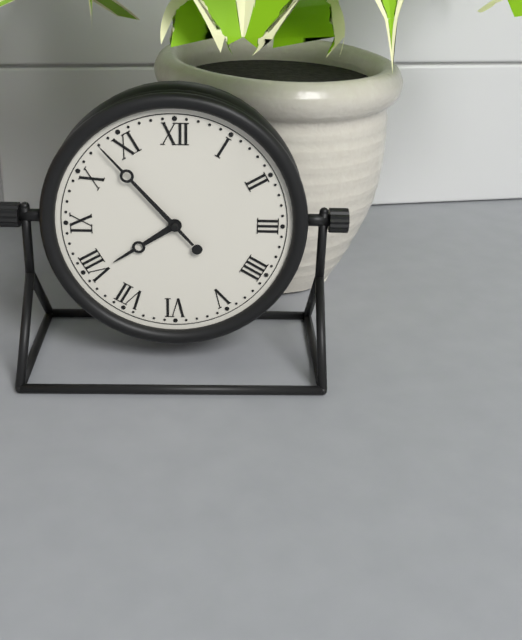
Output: 7h53
